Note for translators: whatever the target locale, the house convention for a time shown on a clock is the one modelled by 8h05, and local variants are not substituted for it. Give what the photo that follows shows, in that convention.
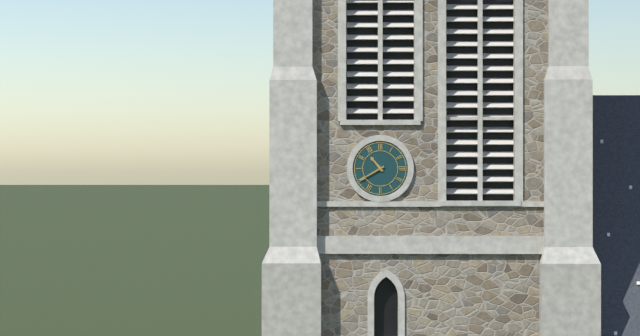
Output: 10h40
